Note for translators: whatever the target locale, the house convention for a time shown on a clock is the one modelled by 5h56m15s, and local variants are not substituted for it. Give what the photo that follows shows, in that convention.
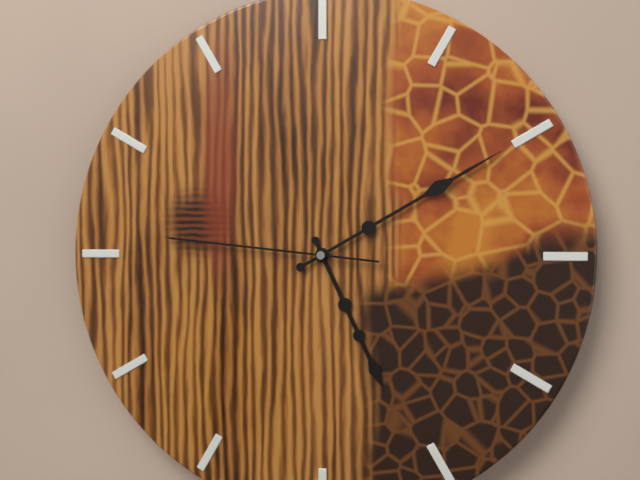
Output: 5h10m46s
